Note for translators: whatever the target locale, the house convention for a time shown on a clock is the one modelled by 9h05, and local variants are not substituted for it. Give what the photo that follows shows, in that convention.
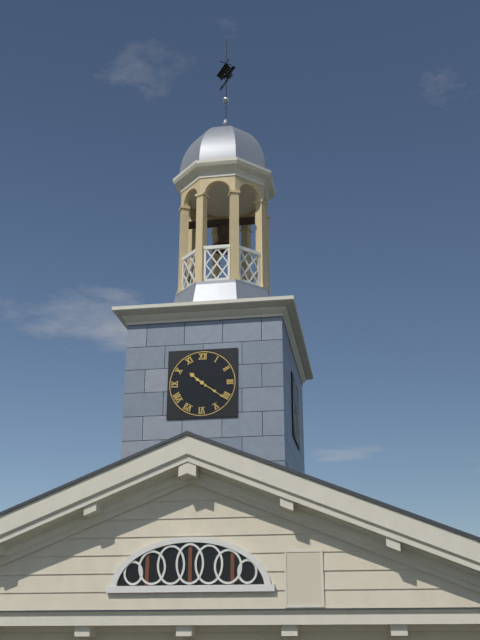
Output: 10h21
